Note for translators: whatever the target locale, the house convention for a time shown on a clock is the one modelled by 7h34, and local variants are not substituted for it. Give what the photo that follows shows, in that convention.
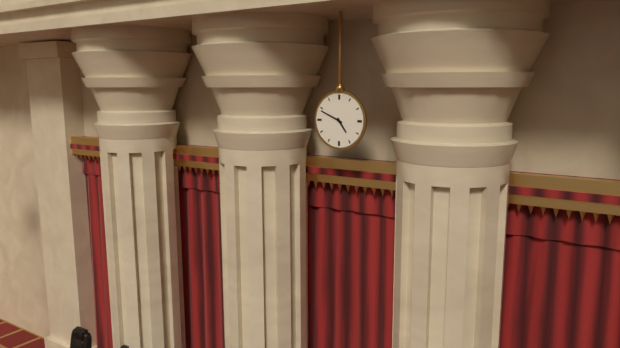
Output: 4h49
